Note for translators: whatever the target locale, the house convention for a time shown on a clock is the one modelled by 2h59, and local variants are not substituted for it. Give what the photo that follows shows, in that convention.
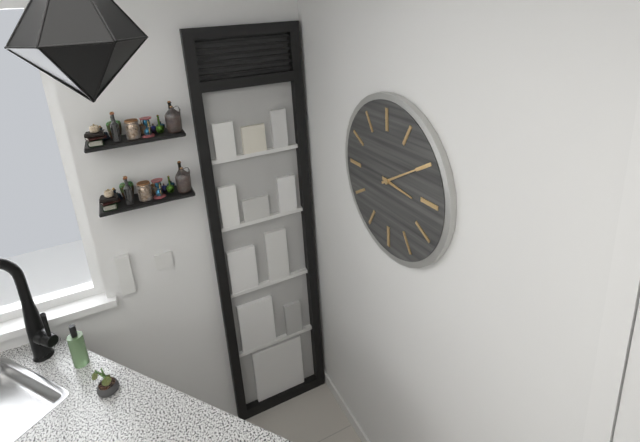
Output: 3h10
